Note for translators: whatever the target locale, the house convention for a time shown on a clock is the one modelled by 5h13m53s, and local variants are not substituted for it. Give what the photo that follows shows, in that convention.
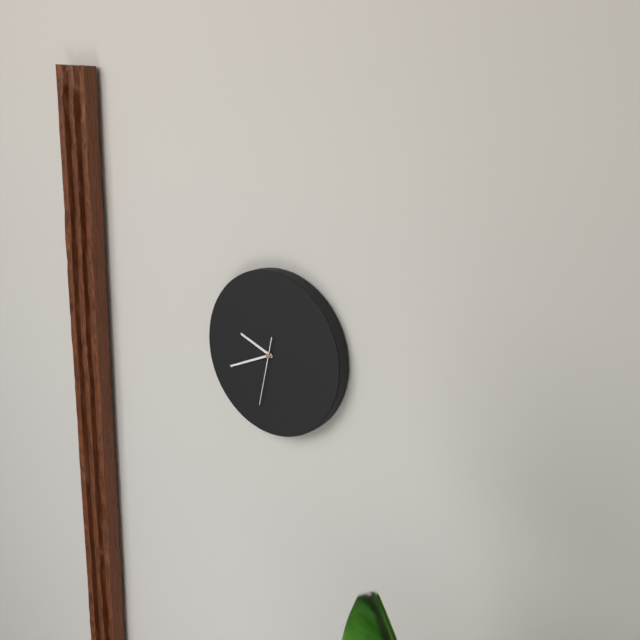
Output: 9h41m32s
